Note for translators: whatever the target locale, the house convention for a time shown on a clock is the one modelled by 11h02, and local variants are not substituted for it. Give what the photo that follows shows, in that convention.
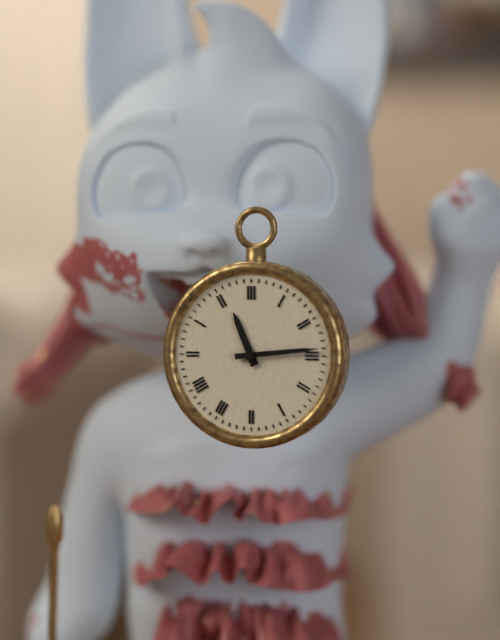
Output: 11h14
